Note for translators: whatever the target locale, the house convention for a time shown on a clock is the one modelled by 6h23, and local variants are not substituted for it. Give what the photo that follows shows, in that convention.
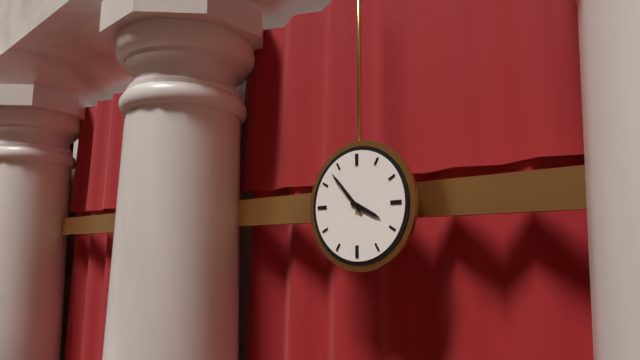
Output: 3h53
